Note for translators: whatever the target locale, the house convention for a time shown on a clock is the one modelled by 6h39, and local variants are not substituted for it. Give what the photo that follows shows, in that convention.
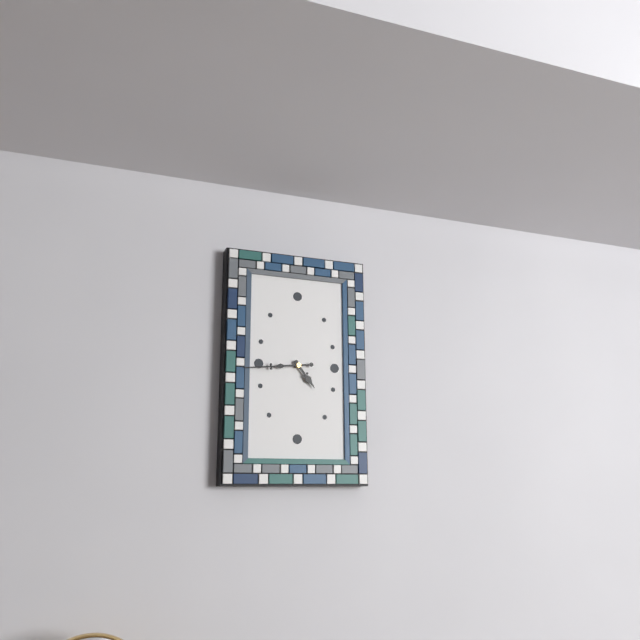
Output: 4h44
